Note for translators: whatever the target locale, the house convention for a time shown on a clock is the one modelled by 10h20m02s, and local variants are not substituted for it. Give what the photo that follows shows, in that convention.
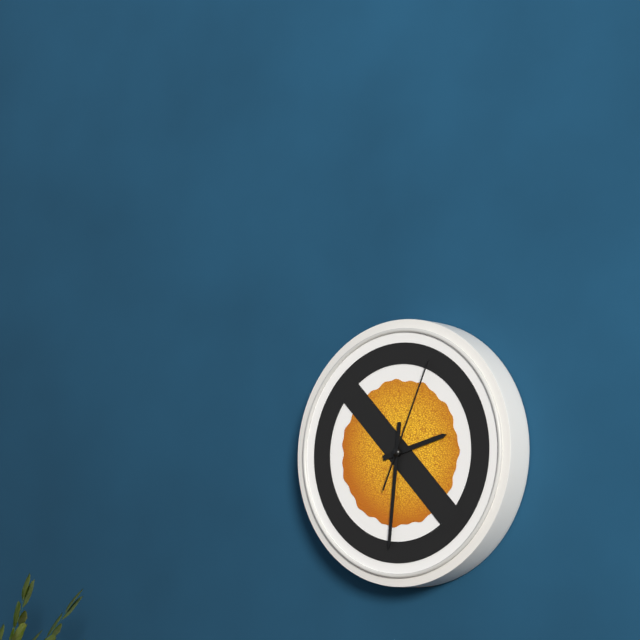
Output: 2h31m04s
